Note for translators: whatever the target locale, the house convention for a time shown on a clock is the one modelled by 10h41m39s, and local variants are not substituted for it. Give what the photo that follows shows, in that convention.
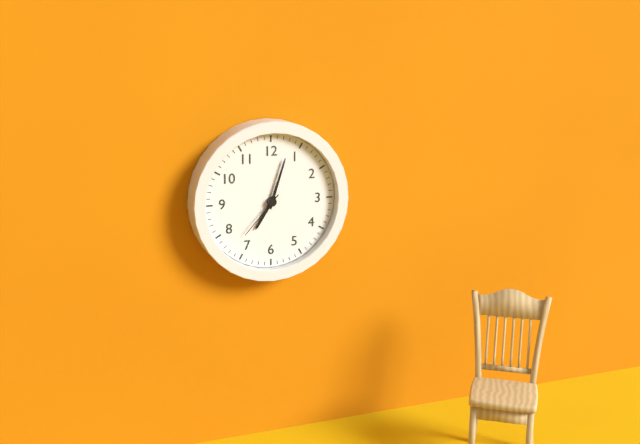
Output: 7h03m37s
